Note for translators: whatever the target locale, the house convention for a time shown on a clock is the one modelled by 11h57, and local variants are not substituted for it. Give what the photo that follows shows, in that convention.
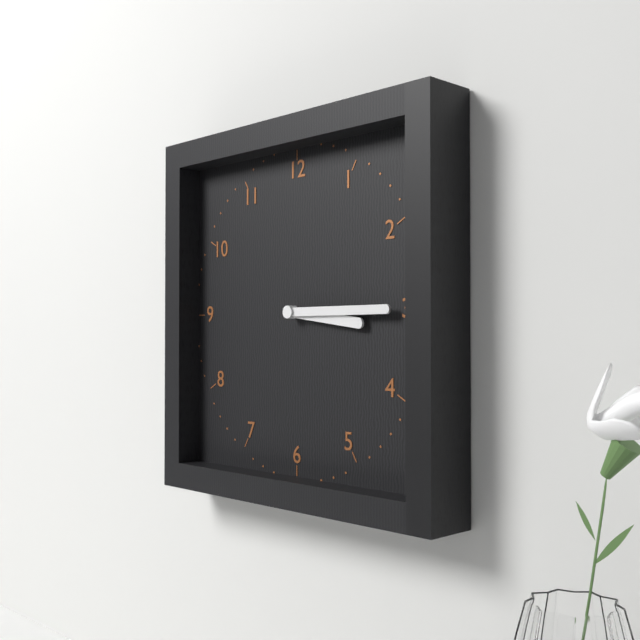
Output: 3h15
